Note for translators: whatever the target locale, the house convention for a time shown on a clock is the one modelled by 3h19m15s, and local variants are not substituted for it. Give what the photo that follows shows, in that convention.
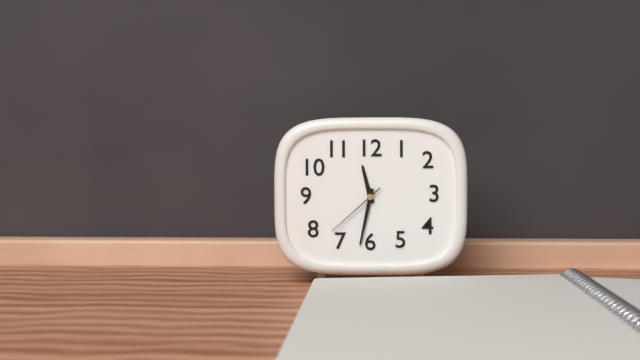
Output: 11h32m38s
